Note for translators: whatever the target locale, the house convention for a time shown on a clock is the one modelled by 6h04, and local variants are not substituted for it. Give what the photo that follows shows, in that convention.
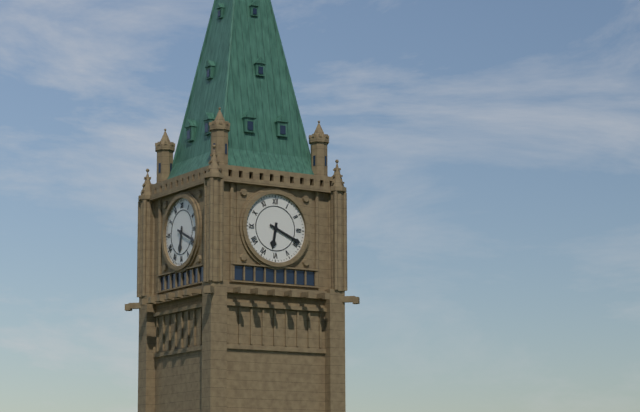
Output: 6h19
